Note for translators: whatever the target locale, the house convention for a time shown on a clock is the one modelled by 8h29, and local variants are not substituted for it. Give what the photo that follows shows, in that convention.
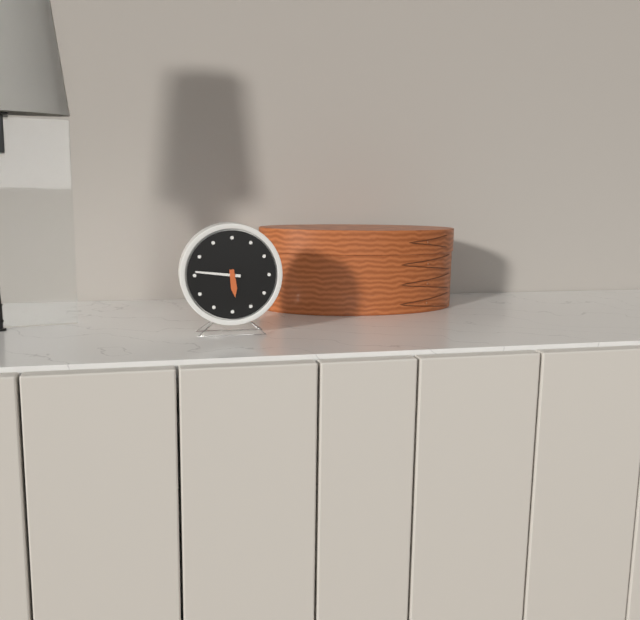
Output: 5h46
